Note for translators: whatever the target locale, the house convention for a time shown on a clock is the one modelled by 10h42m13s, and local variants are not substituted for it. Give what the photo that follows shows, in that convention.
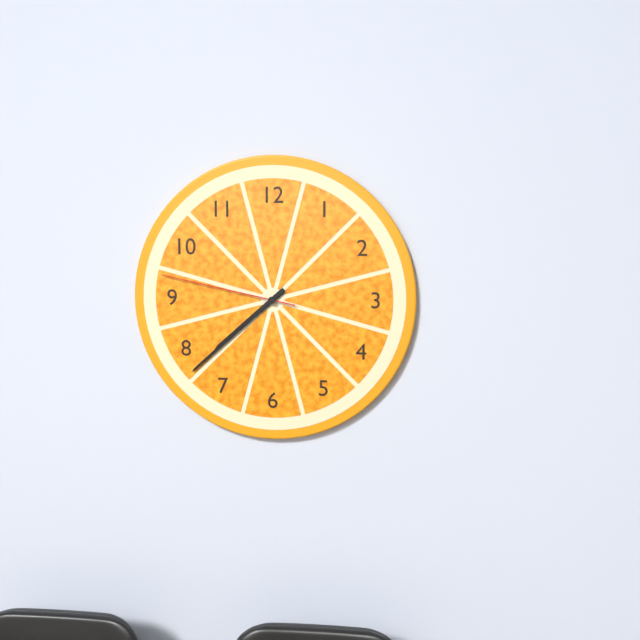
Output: 7h38m47s
